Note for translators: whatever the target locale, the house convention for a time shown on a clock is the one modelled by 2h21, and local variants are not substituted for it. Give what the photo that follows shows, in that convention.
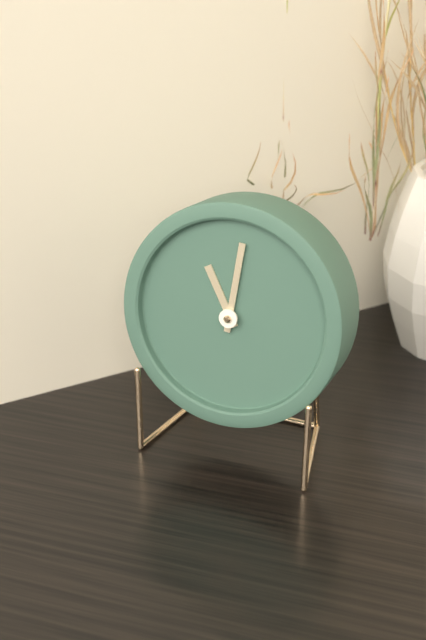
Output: 11h01
